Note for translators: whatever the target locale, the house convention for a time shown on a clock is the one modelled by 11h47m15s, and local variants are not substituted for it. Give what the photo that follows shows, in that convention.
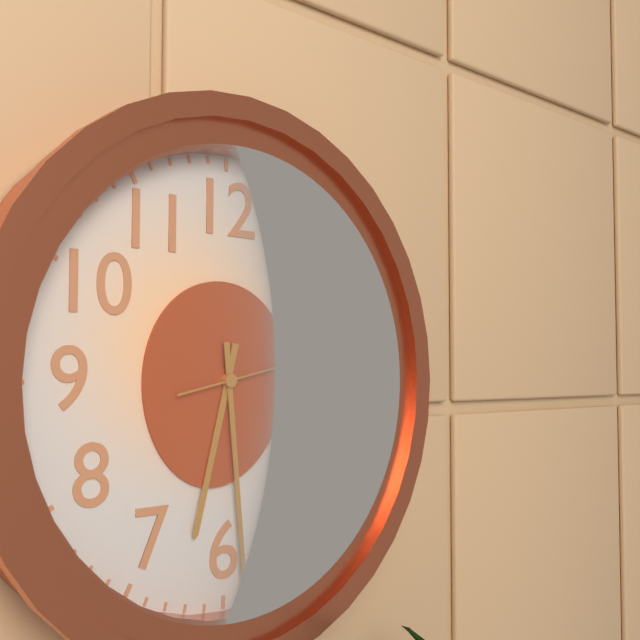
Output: 6h29m13s
